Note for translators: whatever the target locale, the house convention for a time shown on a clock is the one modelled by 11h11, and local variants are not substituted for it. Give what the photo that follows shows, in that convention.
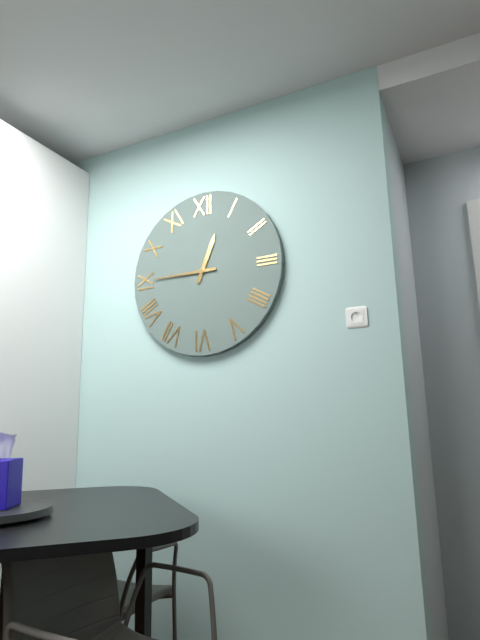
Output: 12h45
